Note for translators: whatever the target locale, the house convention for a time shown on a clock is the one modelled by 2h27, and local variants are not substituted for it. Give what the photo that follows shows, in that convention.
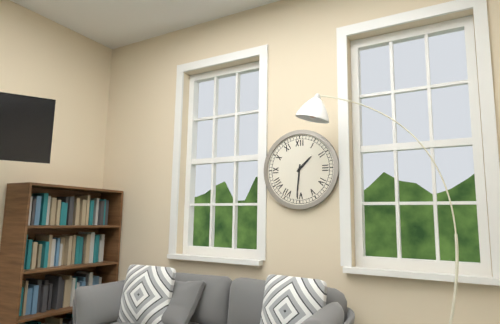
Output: 1h31
